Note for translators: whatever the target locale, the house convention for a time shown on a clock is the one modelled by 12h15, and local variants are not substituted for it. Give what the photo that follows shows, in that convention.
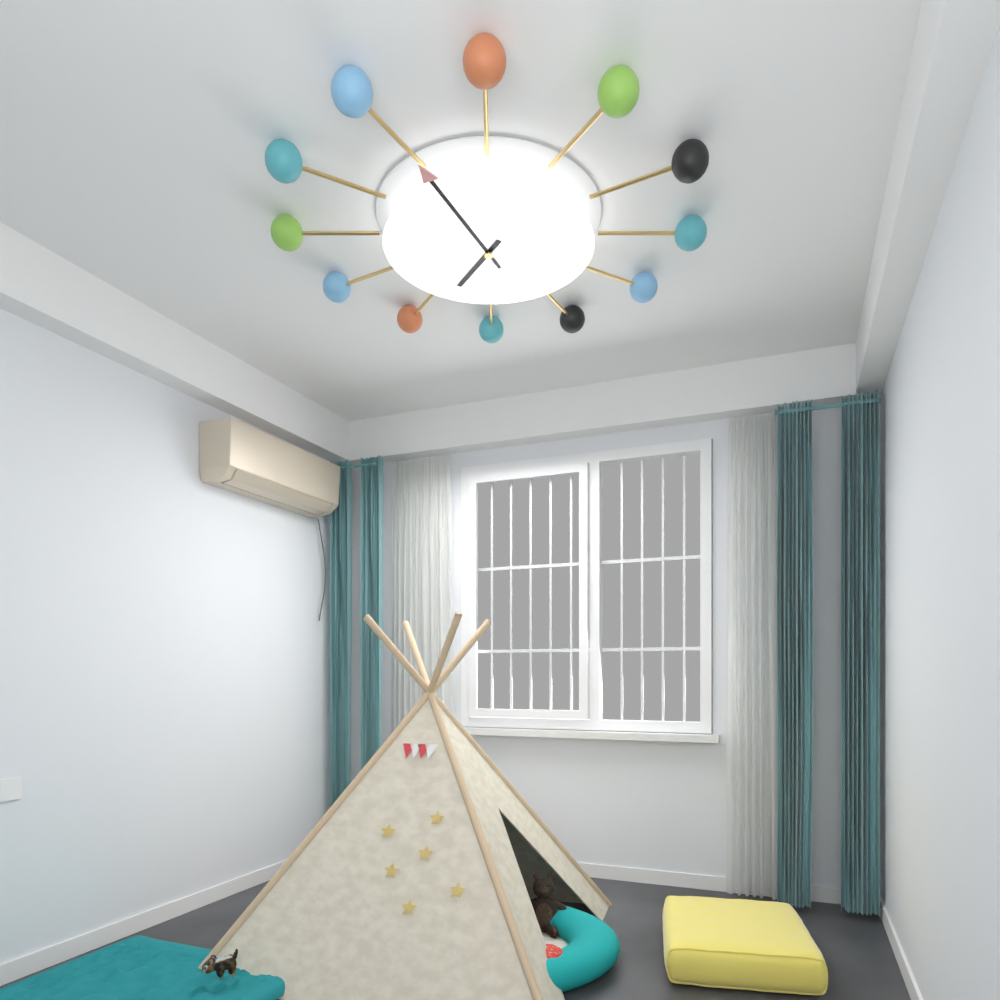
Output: 6h56
